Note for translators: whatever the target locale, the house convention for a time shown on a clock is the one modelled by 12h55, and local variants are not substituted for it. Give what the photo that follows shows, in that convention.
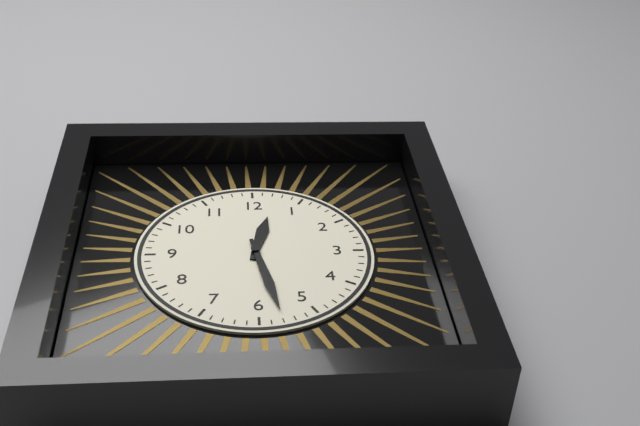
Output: 12h28
